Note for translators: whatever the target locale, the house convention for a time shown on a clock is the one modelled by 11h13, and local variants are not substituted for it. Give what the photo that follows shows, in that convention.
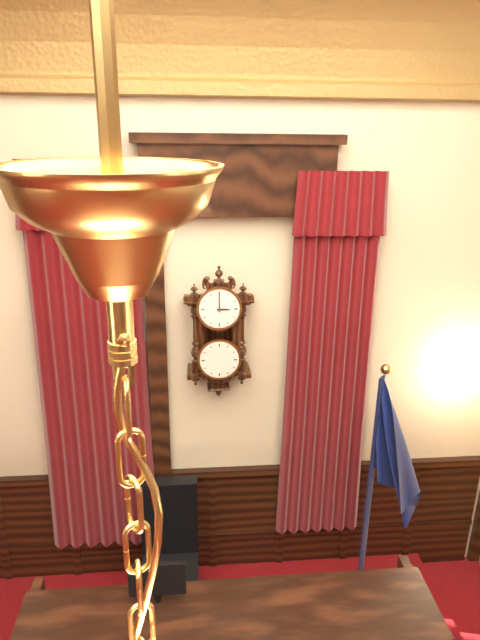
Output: 3h00
